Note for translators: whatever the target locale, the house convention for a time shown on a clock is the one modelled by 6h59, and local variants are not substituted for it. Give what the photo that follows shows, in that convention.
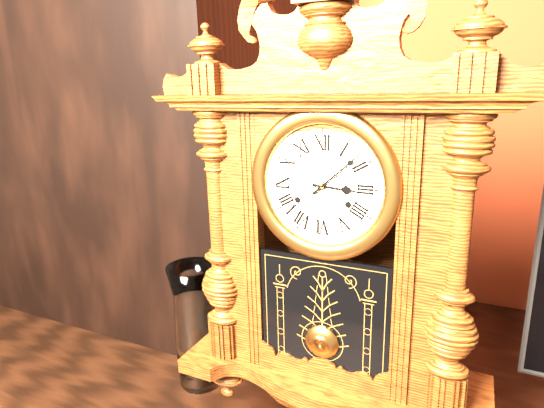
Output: 3h08
